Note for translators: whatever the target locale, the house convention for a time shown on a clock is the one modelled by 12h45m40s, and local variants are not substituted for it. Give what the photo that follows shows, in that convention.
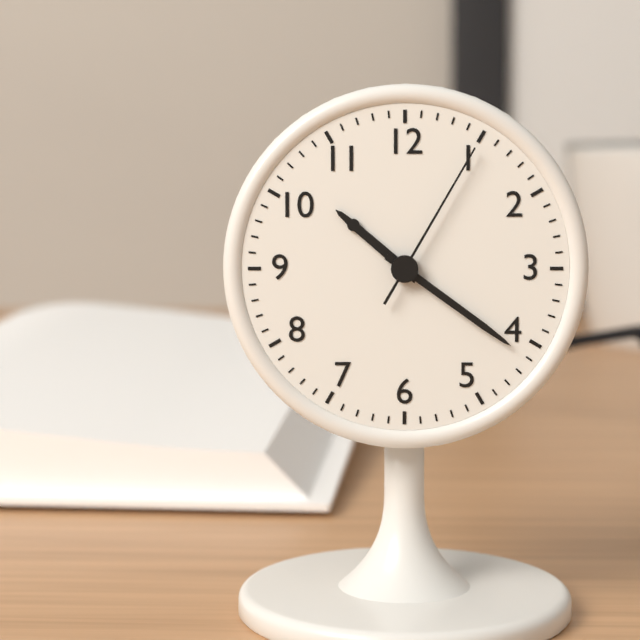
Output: 10h21m05s
